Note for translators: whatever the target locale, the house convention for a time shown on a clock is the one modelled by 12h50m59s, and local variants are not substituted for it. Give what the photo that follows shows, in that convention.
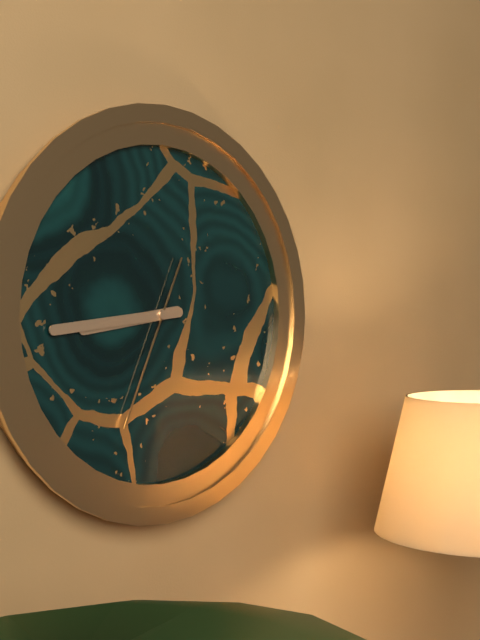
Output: 8h44m34s
